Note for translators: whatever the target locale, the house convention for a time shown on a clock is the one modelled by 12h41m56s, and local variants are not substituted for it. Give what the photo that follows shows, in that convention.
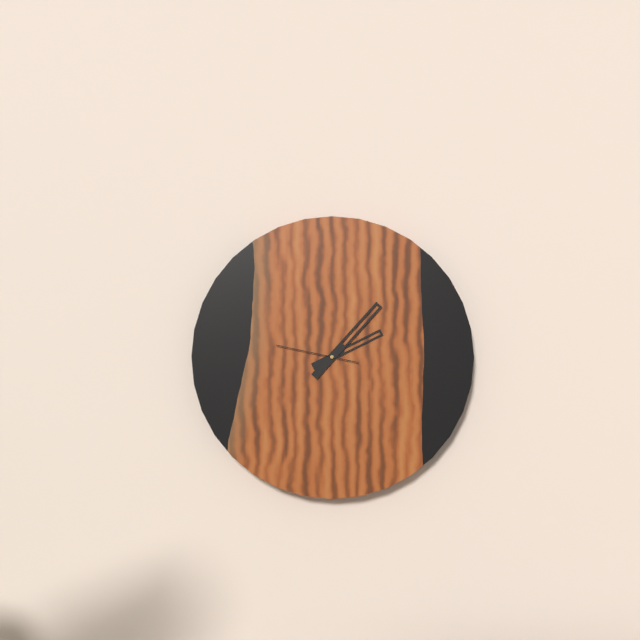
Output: 2h07m47s
